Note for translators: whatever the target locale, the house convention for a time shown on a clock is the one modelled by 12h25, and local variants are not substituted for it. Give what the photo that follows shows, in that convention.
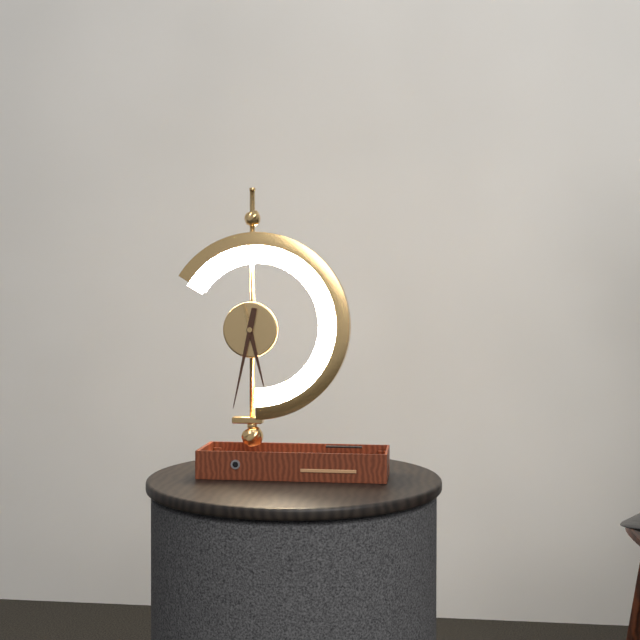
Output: 5h32
